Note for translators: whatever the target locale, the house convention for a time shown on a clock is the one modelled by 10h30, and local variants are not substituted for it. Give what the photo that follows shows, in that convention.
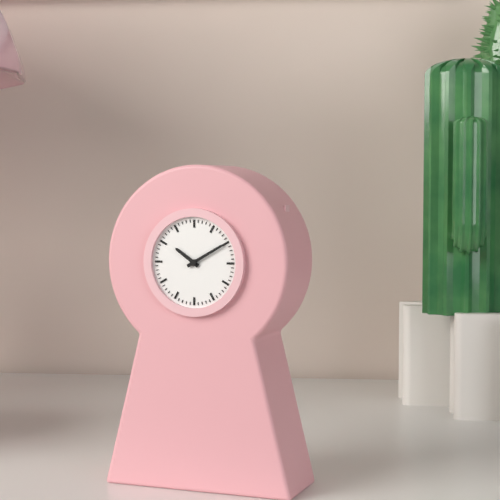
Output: 10h10
